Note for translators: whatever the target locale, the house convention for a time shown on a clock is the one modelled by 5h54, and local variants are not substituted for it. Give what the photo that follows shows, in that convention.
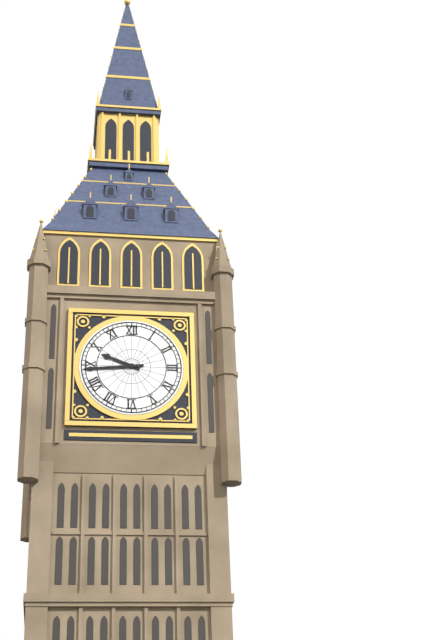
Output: 9h44
